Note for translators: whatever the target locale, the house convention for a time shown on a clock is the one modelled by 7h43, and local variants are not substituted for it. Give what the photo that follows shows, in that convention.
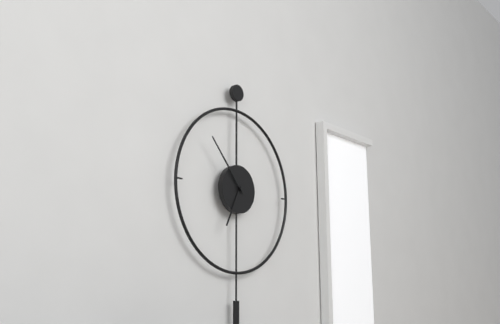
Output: 6h53
